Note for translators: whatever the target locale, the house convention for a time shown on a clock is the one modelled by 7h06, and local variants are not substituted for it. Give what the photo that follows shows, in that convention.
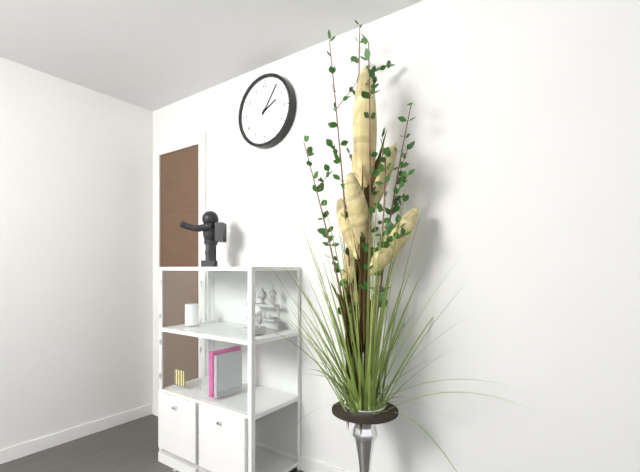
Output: 2h06
